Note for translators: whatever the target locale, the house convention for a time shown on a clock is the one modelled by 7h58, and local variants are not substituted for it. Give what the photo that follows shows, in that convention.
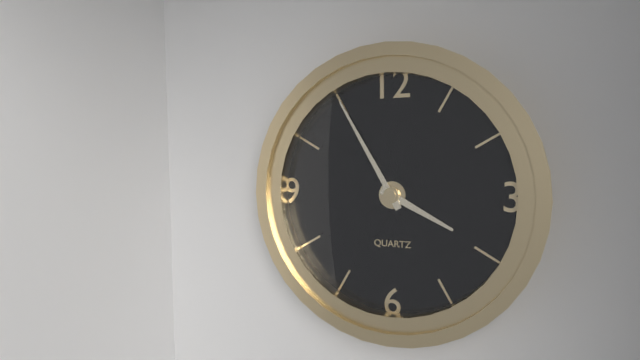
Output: 3h55
